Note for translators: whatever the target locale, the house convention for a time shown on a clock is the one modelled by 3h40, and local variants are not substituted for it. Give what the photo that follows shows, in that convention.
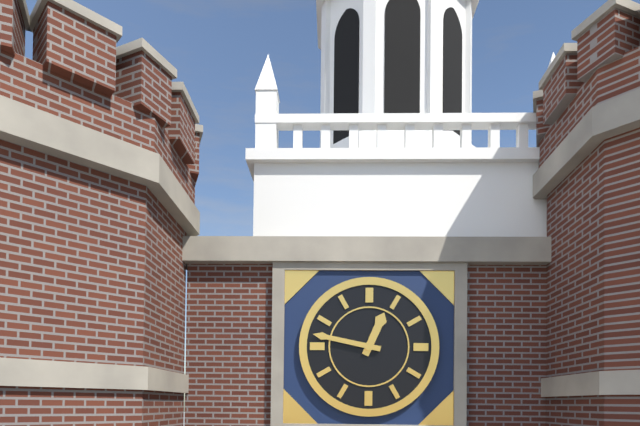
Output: 12h47
